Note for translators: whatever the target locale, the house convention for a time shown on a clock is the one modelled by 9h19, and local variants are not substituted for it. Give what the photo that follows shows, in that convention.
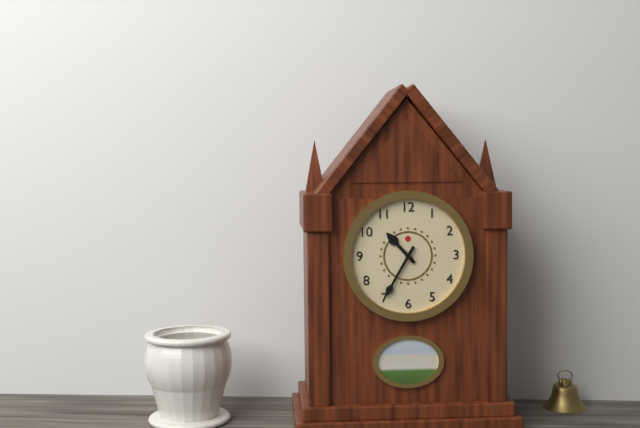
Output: 10h35
